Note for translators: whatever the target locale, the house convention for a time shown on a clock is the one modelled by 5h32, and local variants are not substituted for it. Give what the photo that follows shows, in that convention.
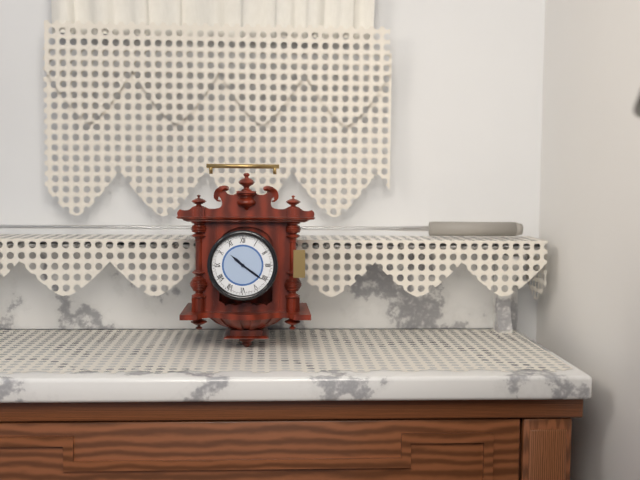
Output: 10h21
